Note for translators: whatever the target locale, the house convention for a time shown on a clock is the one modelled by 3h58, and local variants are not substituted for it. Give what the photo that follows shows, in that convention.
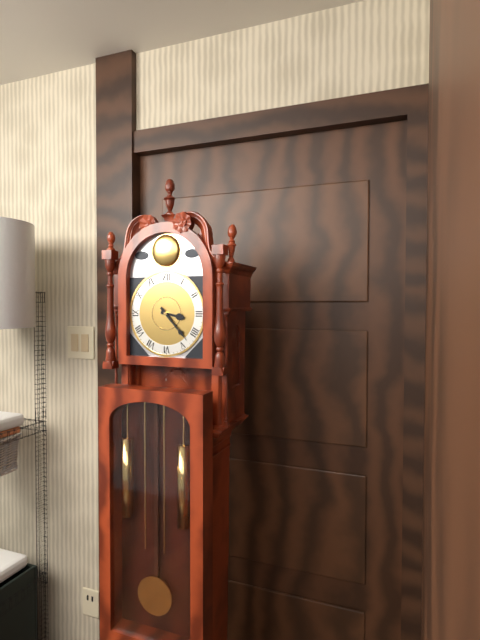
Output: 3h23
